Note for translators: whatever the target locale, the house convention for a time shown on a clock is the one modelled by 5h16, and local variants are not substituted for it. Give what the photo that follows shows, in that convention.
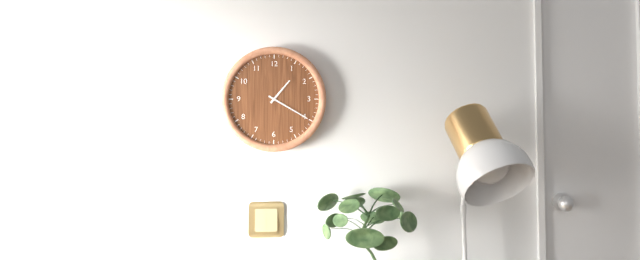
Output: 1h20
